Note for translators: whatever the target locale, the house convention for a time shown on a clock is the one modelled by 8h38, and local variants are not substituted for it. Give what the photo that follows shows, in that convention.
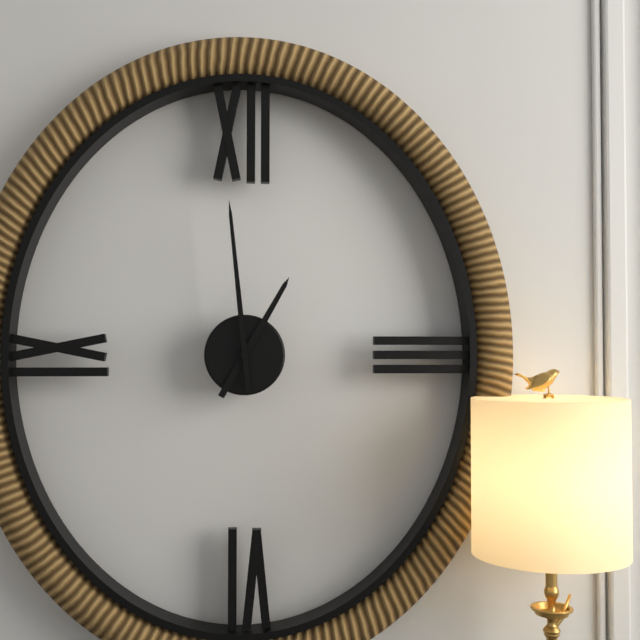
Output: 12h59
